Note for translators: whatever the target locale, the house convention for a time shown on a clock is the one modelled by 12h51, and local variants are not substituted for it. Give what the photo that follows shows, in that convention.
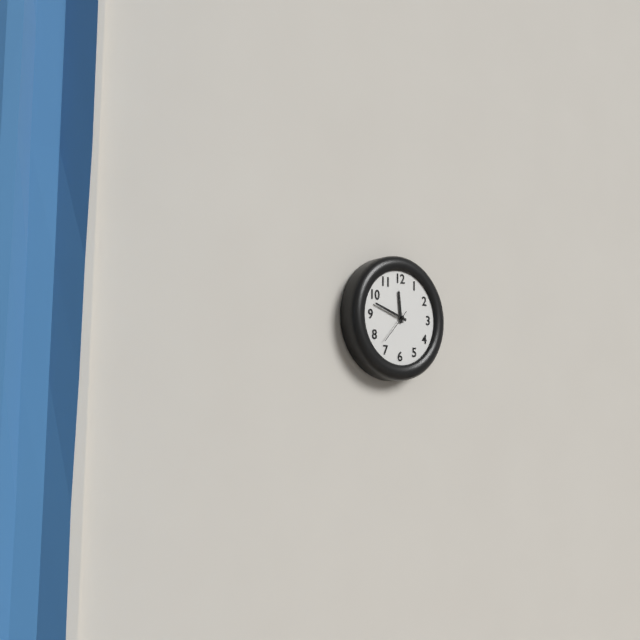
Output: 11h48
